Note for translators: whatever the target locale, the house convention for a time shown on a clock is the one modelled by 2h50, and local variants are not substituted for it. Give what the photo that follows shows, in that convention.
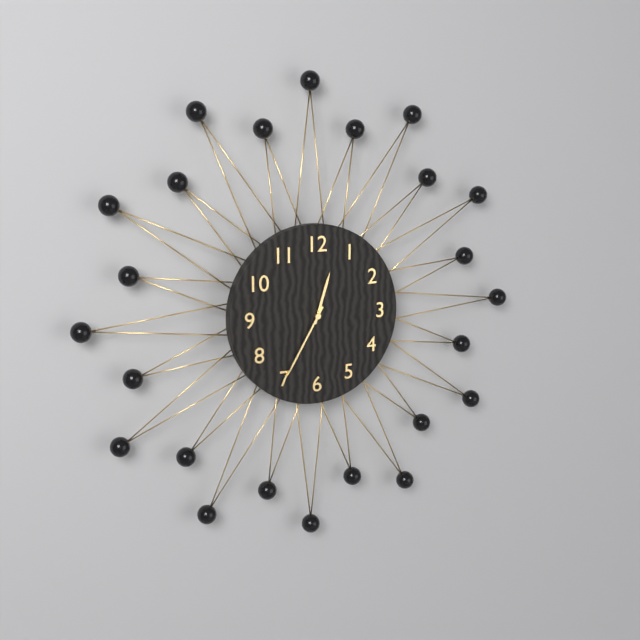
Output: 12h35
